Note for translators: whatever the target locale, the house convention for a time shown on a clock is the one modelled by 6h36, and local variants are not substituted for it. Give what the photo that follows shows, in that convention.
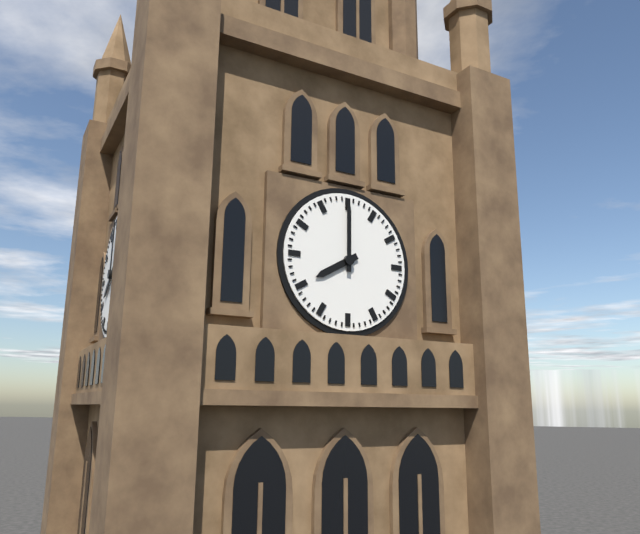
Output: 8h00
